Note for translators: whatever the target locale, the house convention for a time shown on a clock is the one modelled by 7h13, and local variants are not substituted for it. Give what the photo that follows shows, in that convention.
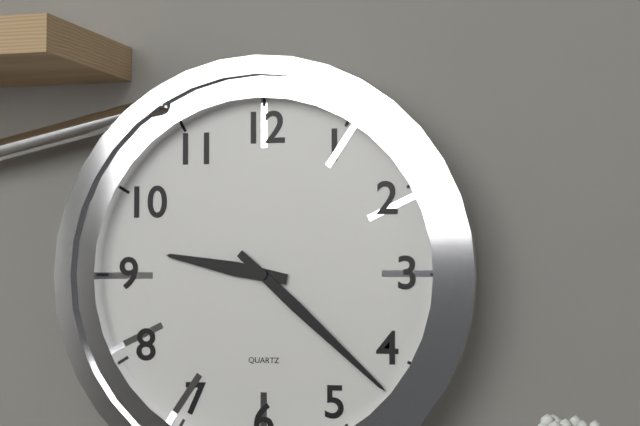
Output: 9h22
